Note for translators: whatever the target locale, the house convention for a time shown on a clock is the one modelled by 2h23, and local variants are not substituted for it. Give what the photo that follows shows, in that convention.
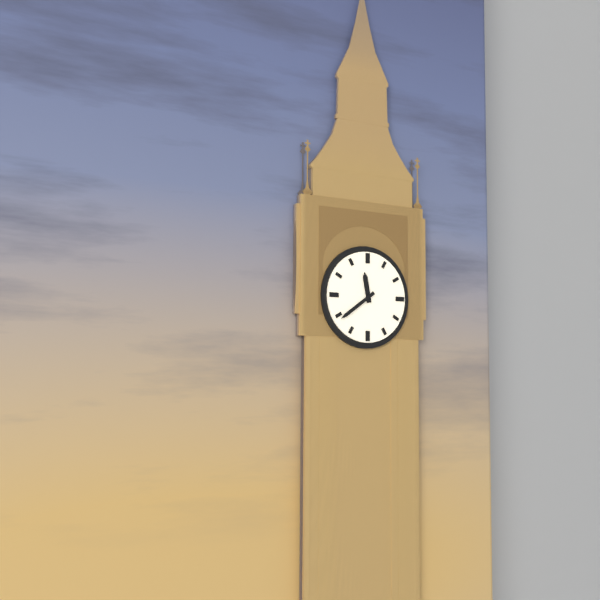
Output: 11h39
